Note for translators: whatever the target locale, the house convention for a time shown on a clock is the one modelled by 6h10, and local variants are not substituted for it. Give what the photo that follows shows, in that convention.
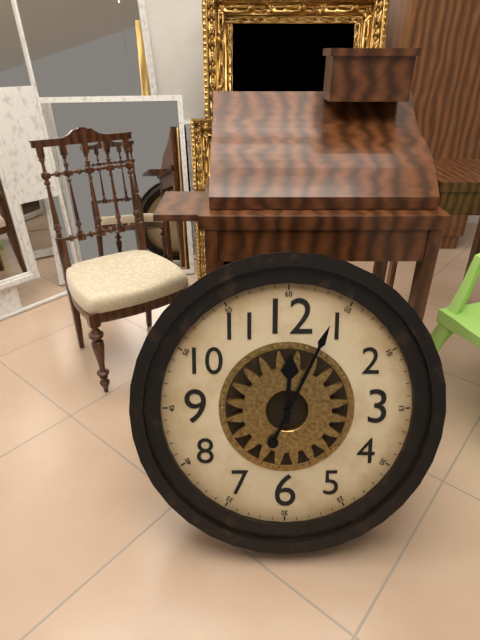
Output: 12h04
